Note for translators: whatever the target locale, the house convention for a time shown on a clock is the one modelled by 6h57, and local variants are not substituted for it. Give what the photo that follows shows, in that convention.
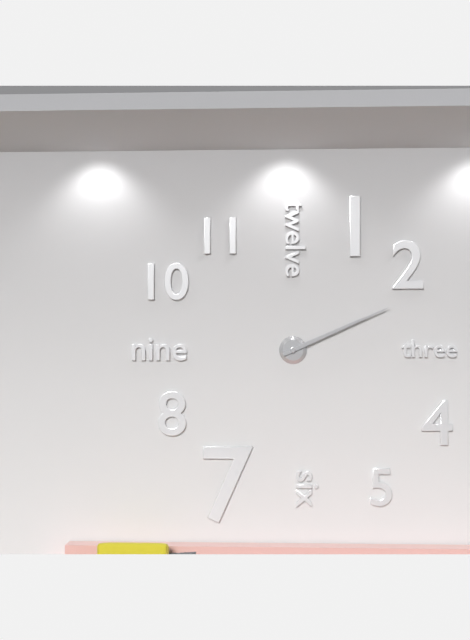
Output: 2h11
